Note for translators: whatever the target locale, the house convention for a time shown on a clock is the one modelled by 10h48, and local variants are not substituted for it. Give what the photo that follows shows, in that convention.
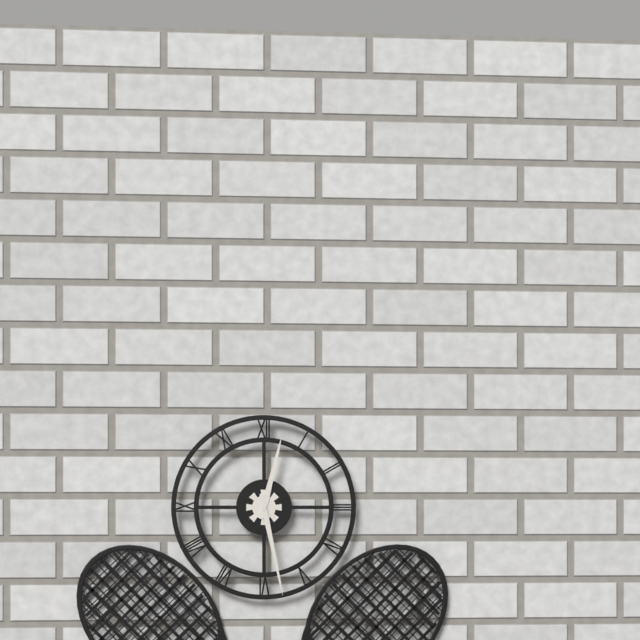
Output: 12h28
